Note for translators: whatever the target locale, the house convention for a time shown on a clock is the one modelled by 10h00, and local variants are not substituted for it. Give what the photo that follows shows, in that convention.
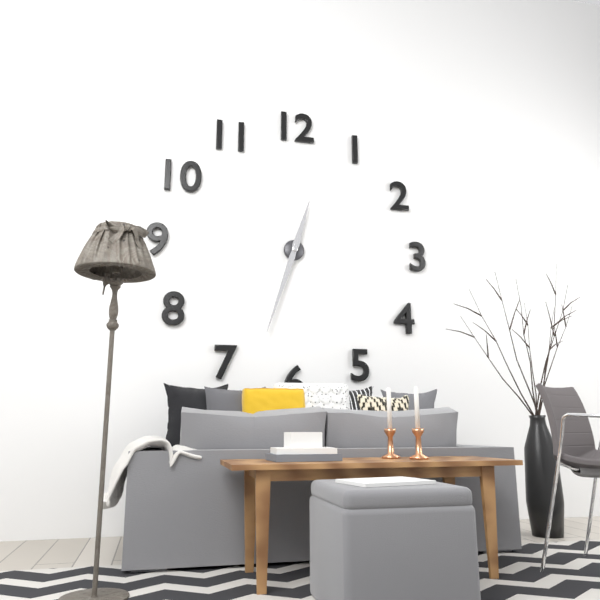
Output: 12h33
